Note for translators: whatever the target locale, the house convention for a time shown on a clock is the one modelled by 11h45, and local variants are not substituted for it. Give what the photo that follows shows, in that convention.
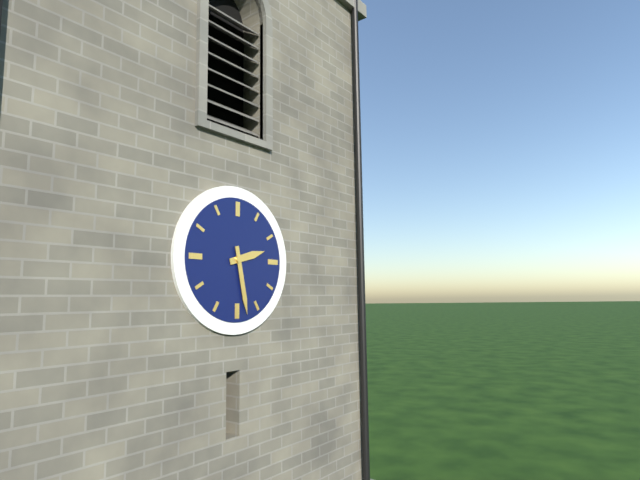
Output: 2h28
